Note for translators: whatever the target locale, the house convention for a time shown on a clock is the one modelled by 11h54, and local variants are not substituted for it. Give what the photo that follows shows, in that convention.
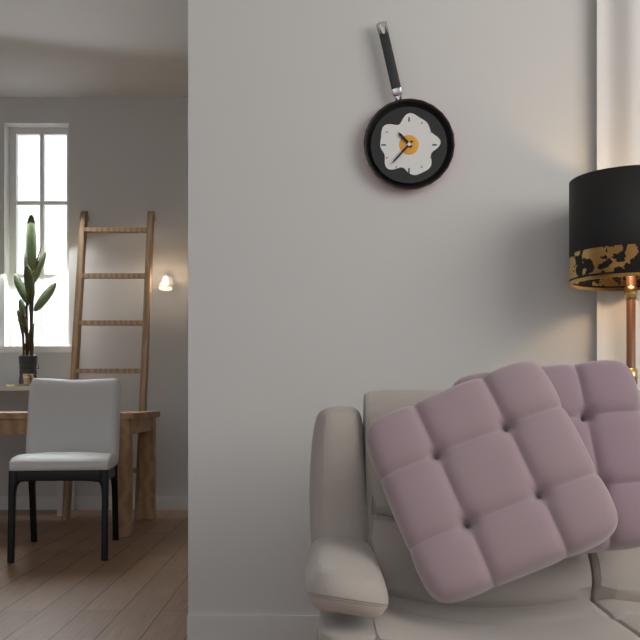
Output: 10h37
